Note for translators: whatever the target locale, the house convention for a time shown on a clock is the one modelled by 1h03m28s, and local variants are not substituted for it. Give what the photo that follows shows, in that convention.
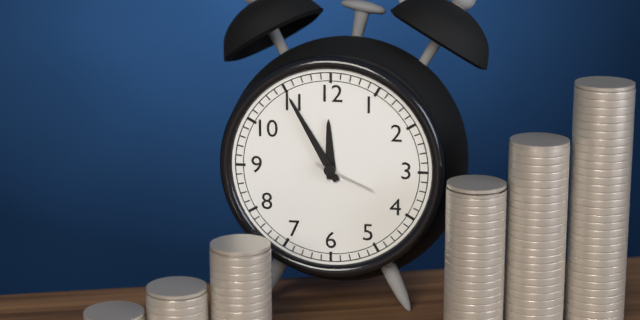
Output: 11h55m19s
